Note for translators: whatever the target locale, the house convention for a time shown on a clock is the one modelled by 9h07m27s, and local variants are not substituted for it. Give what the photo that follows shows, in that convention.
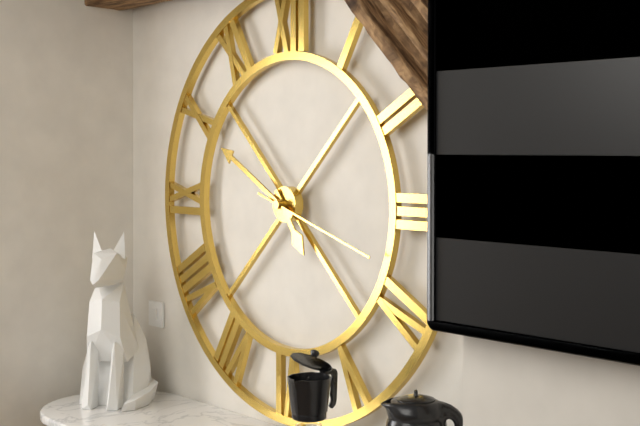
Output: 4h50m18s
